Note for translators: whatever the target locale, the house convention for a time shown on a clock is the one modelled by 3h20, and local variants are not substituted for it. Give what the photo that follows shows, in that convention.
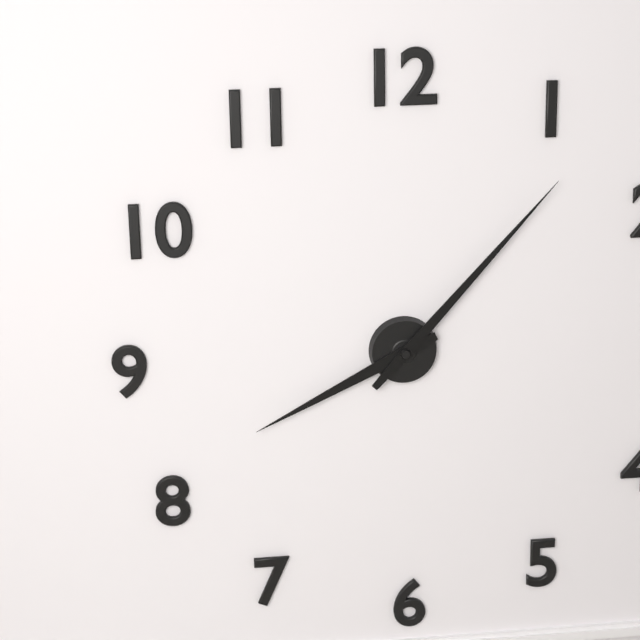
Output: 8h07
